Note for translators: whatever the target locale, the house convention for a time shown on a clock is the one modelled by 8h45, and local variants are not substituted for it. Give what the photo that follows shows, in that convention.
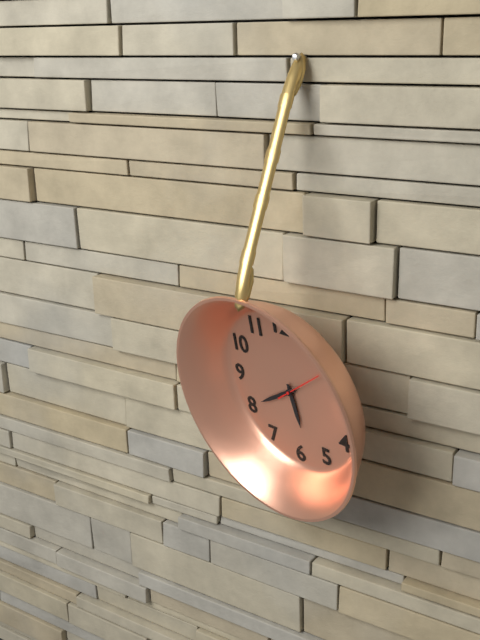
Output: 5h40
